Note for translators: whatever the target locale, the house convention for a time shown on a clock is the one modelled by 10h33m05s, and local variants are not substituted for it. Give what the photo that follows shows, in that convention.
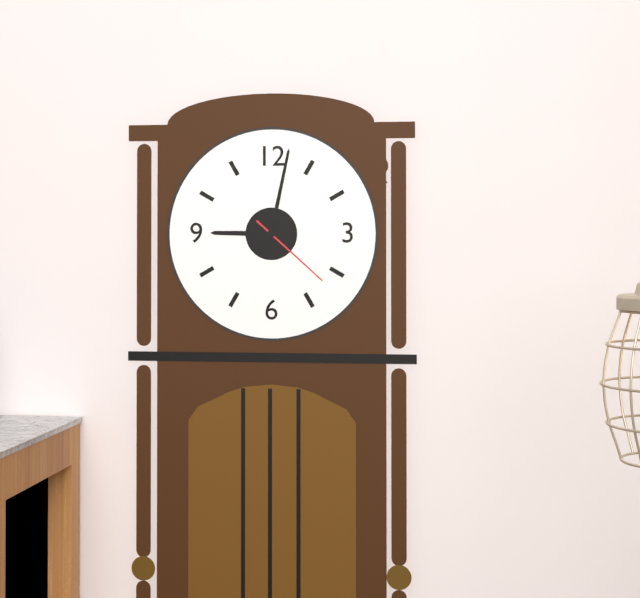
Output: 9h02m22s
